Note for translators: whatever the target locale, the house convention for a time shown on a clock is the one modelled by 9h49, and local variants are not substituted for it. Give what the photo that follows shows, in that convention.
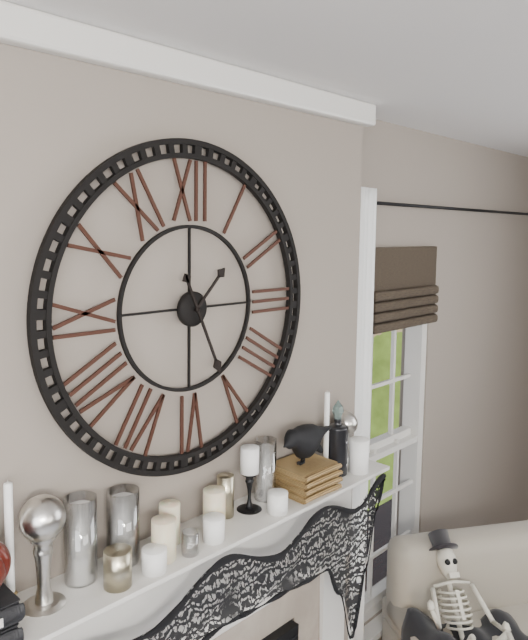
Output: 1h26
